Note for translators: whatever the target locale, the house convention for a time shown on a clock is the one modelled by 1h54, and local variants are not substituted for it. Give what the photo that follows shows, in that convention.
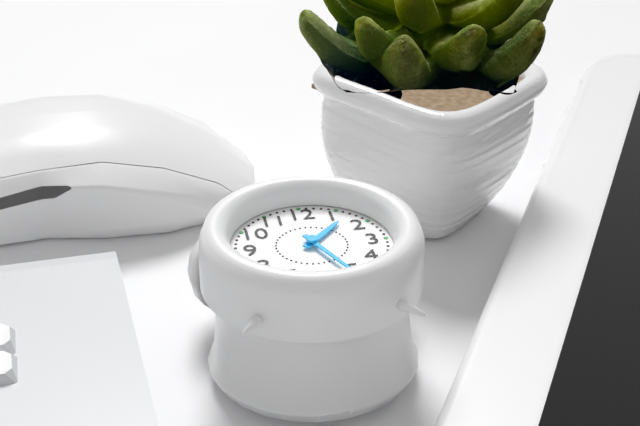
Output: 1h26
